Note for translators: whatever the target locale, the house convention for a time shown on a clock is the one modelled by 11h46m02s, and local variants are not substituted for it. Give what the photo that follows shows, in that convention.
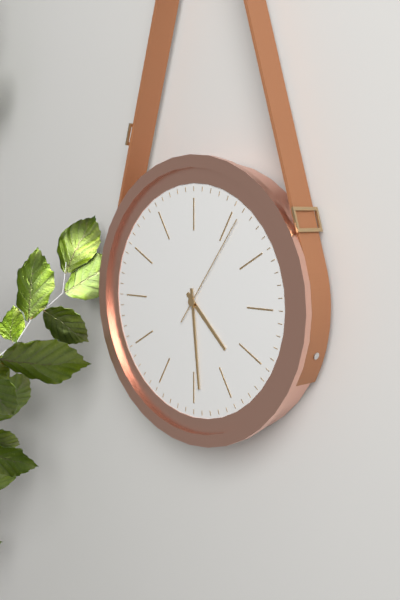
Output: 4h29m06s
